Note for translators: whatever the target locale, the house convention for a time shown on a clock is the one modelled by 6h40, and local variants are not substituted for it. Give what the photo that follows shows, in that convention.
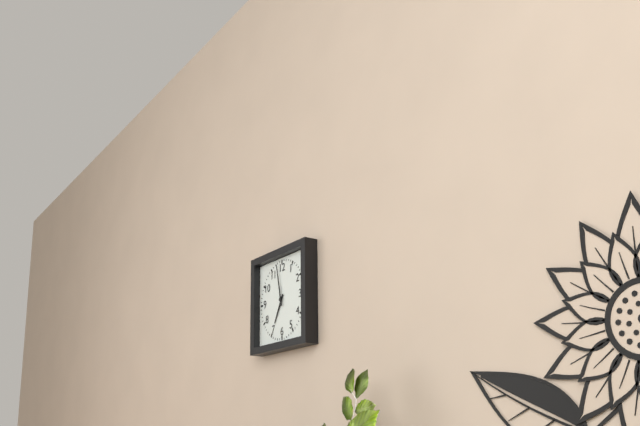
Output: 6h58
